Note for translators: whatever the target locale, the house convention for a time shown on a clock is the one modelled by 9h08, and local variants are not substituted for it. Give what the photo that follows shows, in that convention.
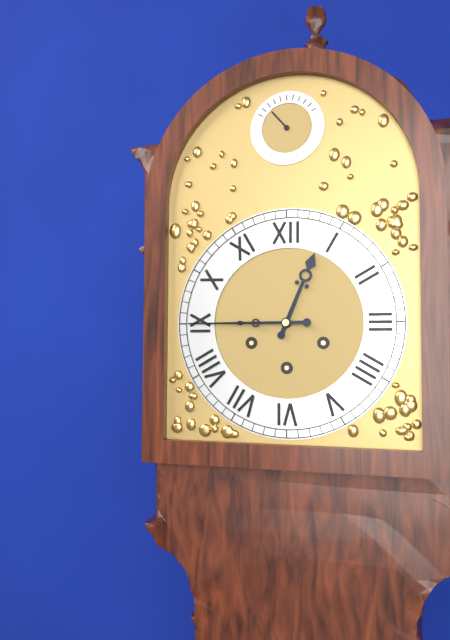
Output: 12h45
